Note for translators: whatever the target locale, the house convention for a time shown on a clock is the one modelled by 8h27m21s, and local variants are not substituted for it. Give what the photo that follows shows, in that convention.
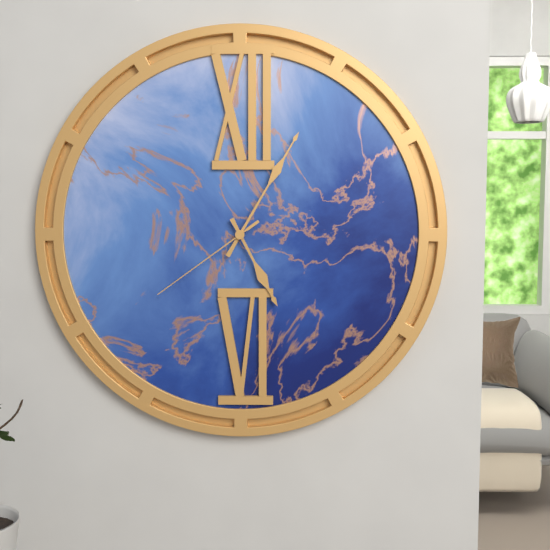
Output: 5h05m39s
